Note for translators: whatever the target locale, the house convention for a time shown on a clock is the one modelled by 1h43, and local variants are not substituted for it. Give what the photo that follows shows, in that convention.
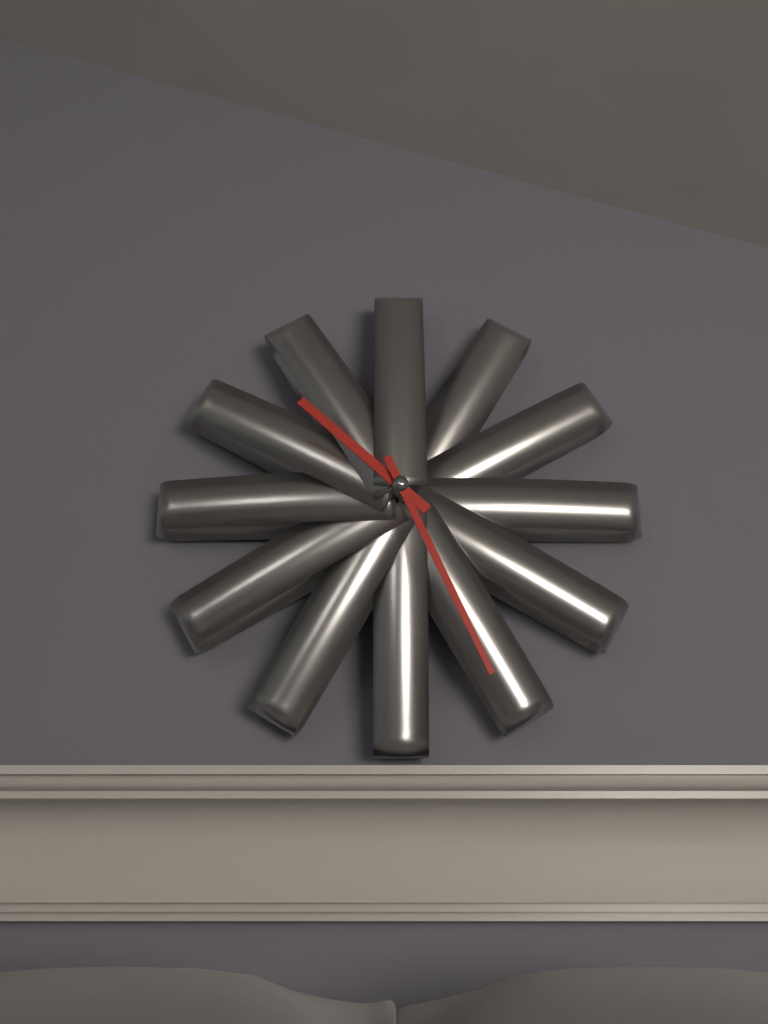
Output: 10h26
